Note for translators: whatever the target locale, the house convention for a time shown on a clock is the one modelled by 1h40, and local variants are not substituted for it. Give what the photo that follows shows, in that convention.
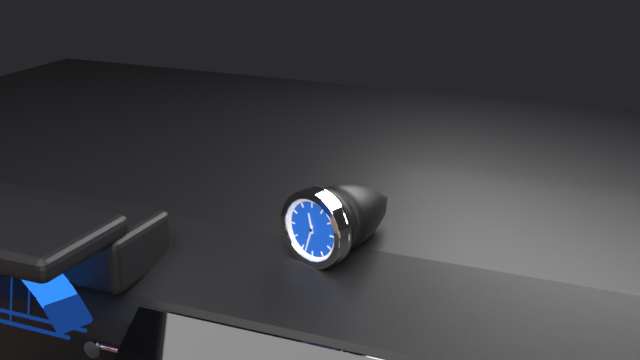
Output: 11h33
